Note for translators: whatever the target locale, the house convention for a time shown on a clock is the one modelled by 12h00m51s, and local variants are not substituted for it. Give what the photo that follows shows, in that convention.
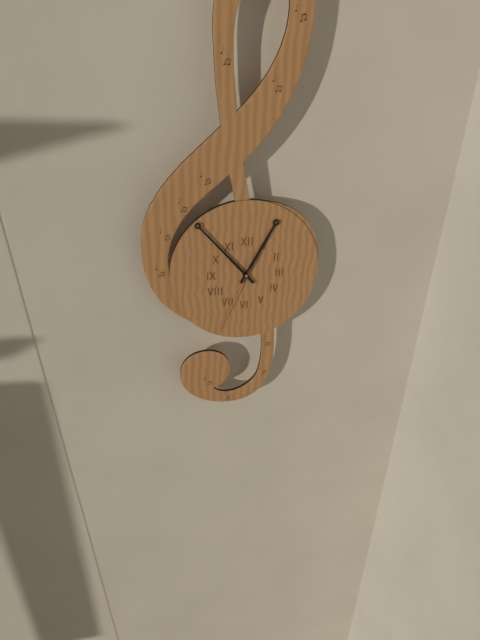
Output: 12h53m34s
